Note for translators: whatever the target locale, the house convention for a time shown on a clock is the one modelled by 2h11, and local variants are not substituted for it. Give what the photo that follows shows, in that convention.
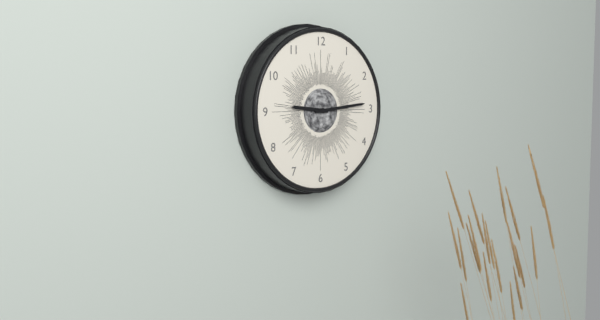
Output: 9h14
